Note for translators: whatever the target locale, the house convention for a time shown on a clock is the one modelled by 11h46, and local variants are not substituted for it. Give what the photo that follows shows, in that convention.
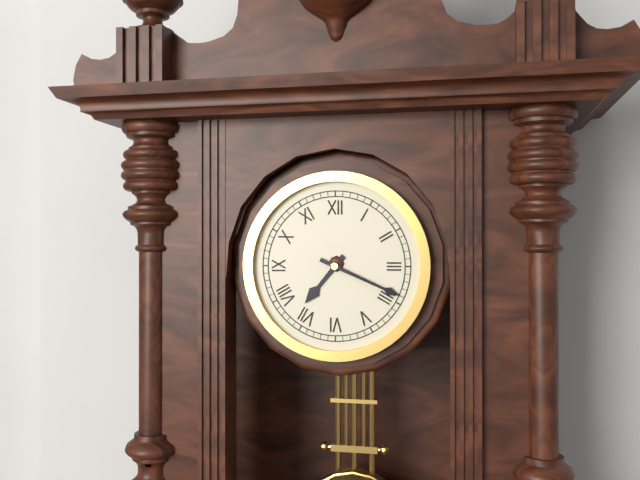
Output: 7h19
